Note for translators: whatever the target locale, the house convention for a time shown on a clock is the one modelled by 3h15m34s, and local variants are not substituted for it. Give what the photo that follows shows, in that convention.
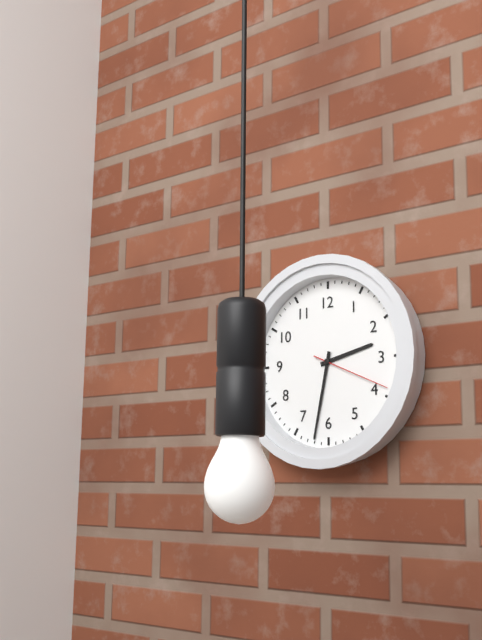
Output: 2h32m19s
